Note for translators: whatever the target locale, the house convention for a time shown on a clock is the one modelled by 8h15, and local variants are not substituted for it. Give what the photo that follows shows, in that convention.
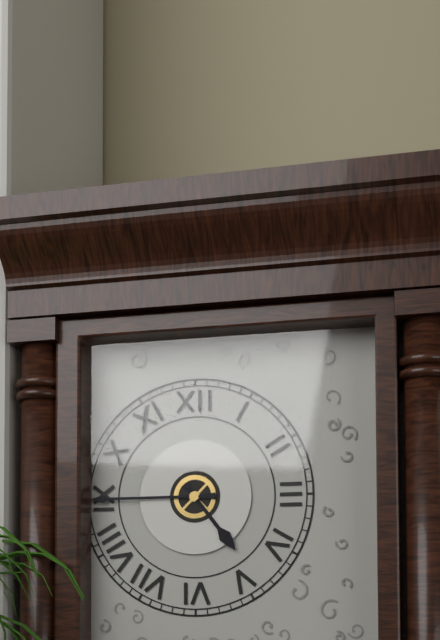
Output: 4h45
